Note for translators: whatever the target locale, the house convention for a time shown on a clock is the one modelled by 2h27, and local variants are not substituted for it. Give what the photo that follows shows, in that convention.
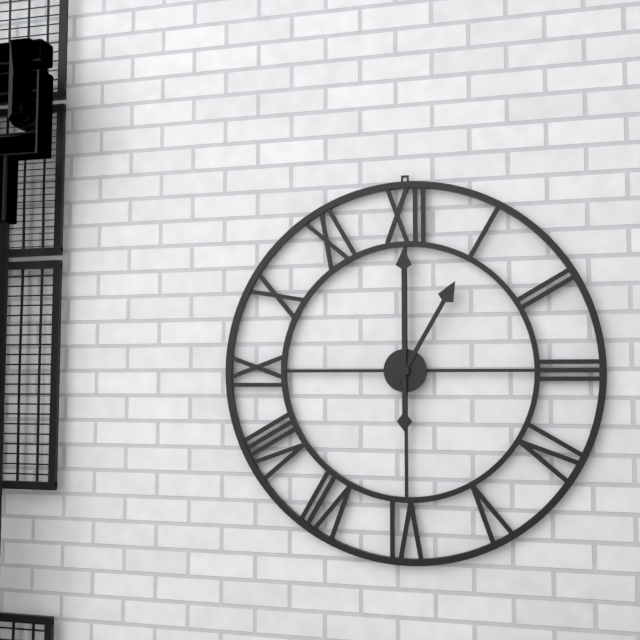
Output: 1h00
